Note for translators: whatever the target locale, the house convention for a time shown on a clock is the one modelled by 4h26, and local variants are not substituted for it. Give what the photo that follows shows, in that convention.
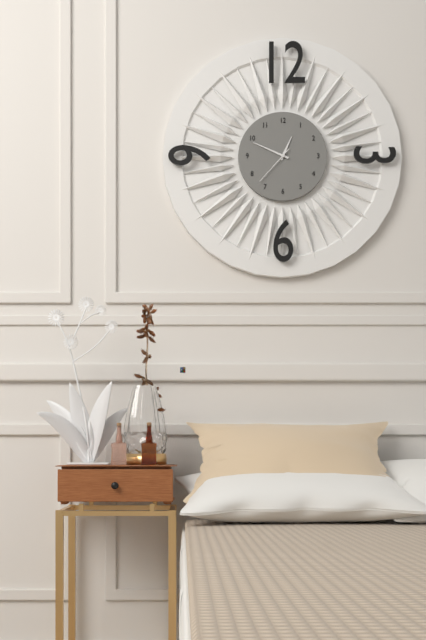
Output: 12h49
